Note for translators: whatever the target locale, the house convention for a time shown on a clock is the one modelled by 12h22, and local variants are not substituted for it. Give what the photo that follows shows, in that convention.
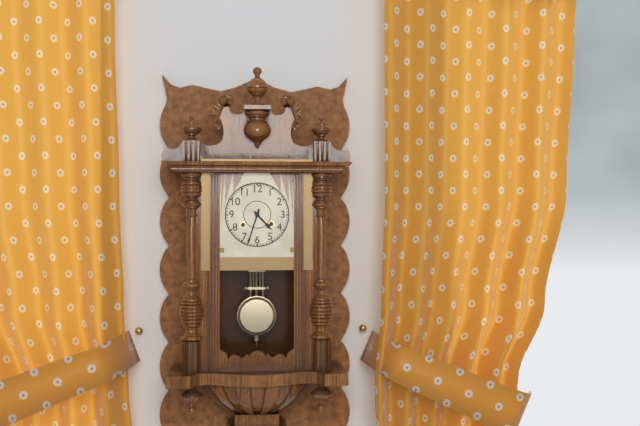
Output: 4h33
